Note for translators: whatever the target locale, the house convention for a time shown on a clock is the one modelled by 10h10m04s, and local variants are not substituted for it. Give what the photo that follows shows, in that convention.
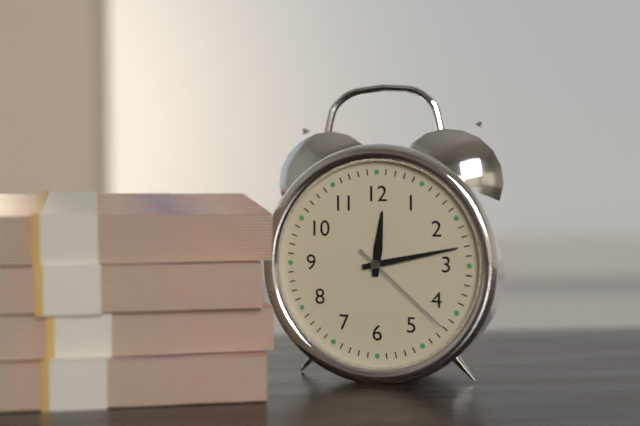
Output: 12h13m22s
